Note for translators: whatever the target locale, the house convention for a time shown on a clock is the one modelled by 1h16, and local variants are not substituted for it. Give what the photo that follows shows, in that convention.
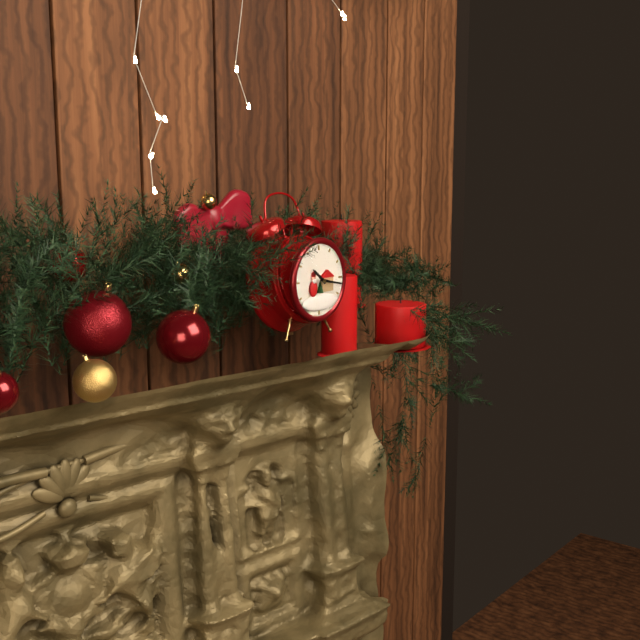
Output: 10h17
